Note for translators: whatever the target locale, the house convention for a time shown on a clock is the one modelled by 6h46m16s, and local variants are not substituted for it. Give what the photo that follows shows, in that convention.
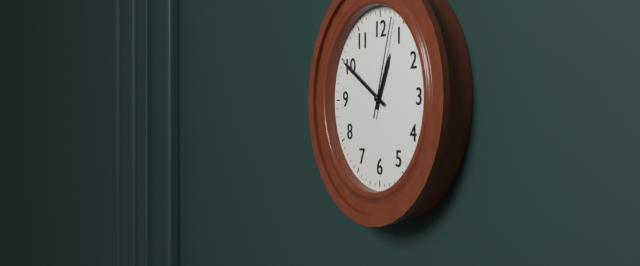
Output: 12h50m03s
